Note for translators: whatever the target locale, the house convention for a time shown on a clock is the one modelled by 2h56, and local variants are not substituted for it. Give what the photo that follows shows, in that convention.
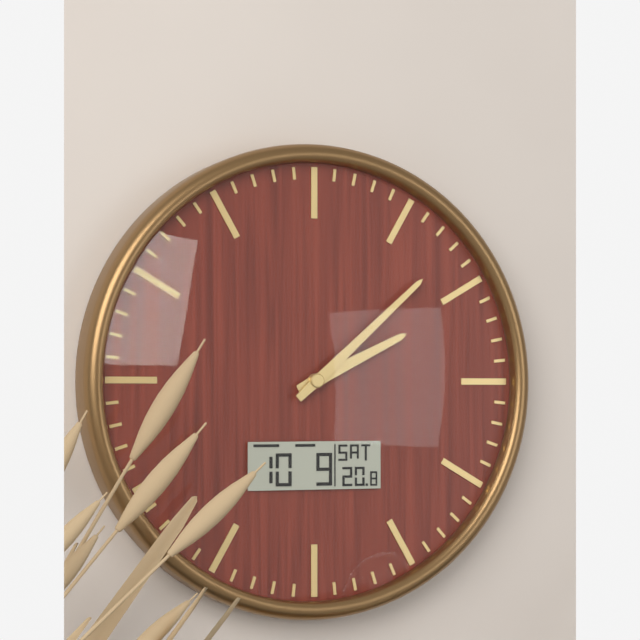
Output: 2h08
